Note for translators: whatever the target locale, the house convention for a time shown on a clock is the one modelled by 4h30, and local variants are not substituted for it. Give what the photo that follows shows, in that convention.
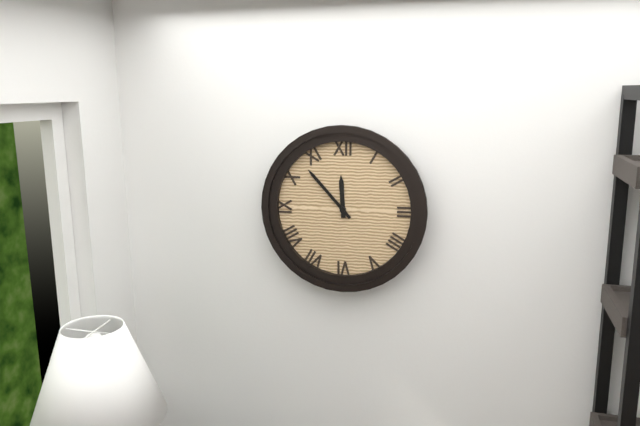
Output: 11h53
